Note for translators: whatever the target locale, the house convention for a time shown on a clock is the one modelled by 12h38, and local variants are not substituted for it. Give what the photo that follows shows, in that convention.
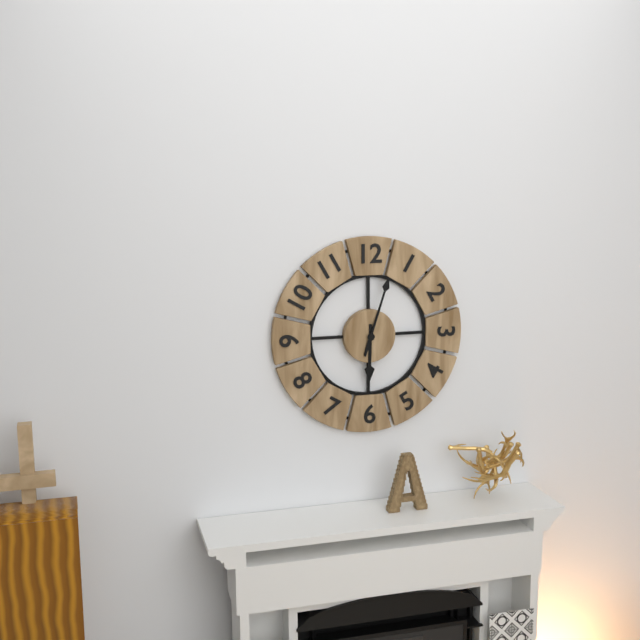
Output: 6h03
